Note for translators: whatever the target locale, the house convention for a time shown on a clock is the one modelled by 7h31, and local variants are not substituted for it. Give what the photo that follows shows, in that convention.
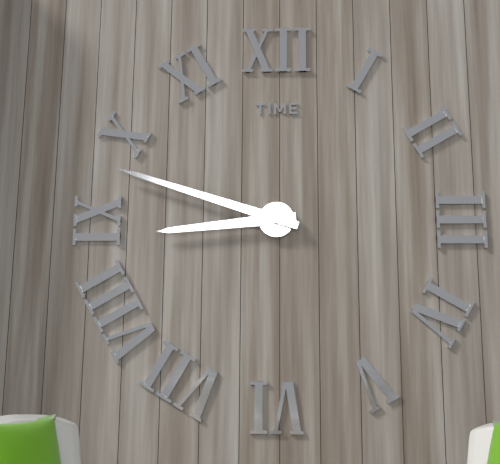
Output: 8h48
